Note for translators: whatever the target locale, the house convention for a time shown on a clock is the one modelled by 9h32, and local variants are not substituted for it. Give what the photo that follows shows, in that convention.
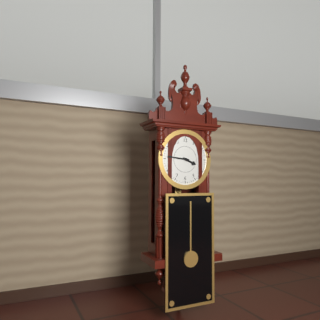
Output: 3h46
